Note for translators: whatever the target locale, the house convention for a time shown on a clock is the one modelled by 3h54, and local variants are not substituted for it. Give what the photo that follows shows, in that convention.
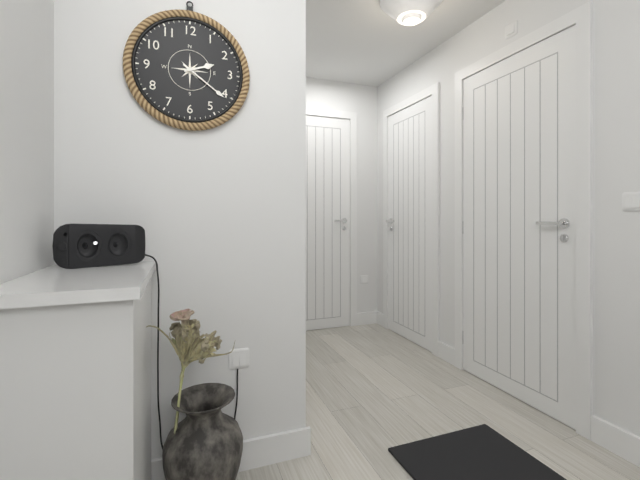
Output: 2h21
